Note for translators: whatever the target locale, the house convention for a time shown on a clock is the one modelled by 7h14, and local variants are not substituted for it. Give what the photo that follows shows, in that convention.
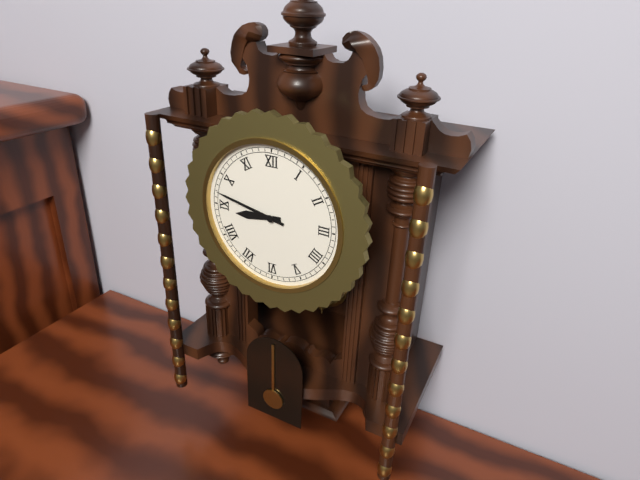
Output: 8h47
